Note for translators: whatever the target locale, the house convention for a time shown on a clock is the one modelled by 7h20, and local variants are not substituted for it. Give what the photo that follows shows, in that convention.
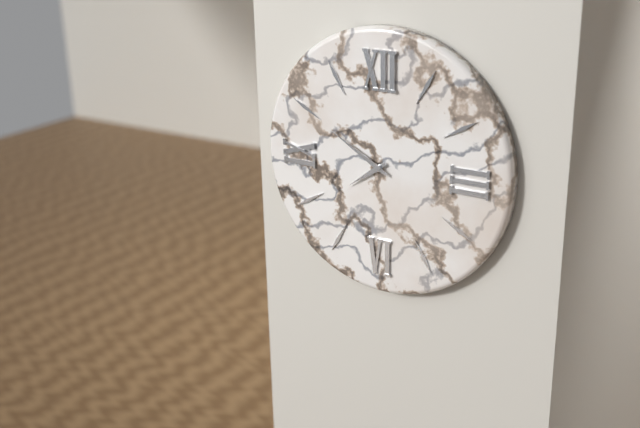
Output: 7h50
